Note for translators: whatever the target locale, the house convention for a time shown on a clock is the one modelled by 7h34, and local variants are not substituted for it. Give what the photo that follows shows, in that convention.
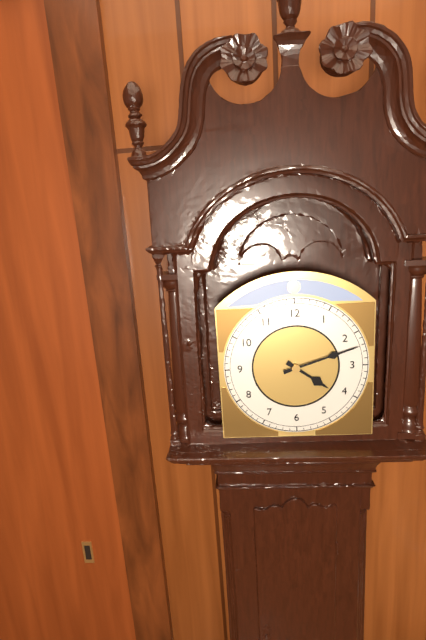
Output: 4h12
